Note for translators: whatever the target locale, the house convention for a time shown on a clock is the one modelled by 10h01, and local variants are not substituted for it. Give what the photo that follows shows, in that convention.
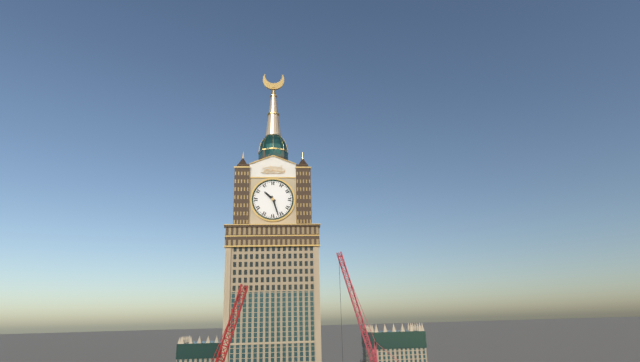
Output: 10h27
